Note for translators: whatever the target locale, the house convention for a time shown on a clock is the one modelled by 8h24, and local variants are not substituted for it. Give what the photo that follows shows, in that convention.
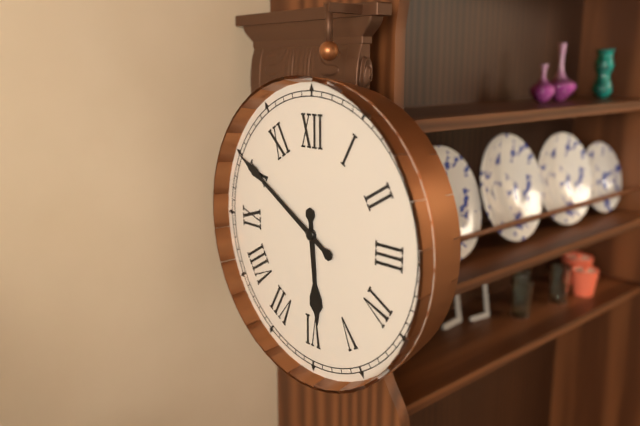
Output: 5h50
